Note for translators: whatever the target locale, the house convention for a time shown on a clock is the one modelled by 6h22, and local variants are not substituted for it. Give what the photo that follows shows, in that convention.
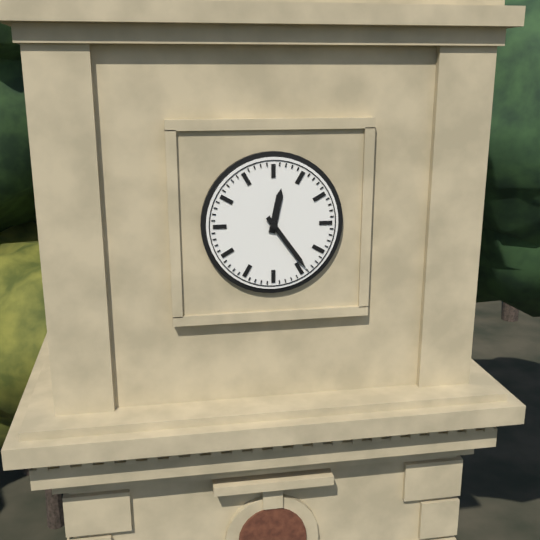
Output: 12h24
